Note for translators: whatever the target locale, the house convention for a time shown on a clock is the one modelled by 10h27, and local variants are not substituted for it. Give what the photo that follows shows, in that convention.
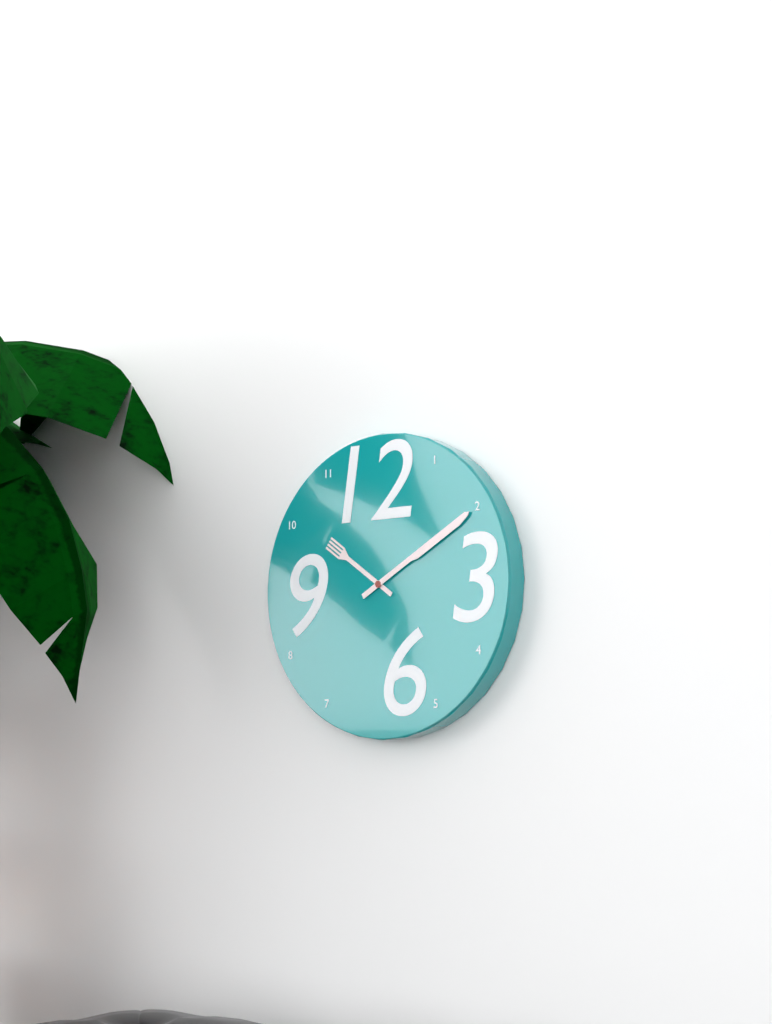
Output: 10h10
